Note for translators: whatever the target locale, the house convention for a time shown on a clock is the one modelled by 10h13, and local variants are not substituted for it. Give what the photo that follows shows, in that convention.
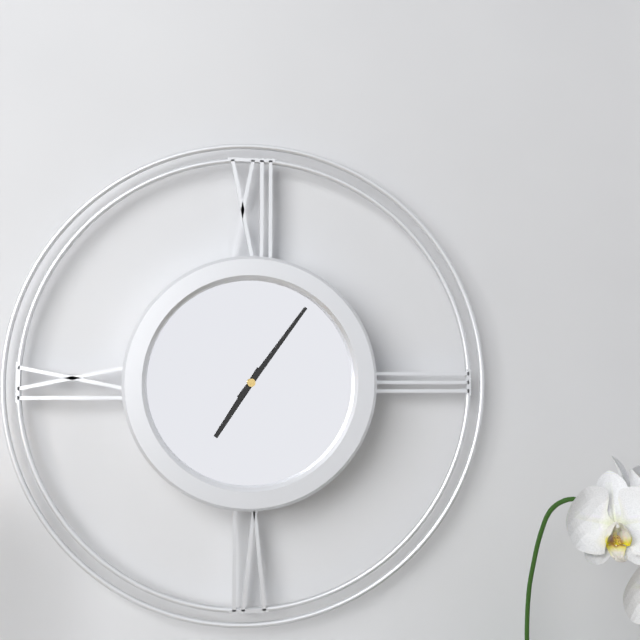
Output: 7h06
